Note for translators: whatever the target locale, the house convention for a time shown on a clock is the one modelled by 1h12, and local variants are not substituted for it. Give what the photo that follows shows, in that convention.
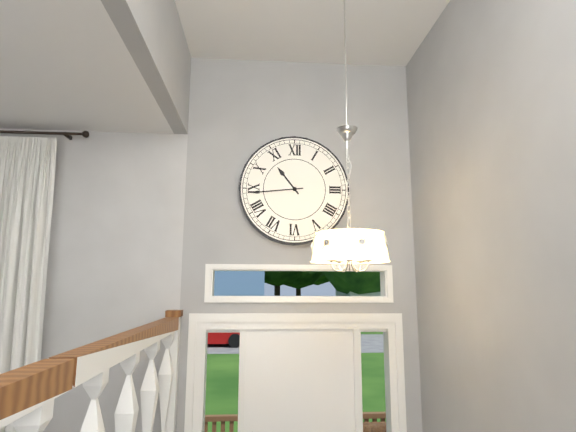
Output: 10h44
